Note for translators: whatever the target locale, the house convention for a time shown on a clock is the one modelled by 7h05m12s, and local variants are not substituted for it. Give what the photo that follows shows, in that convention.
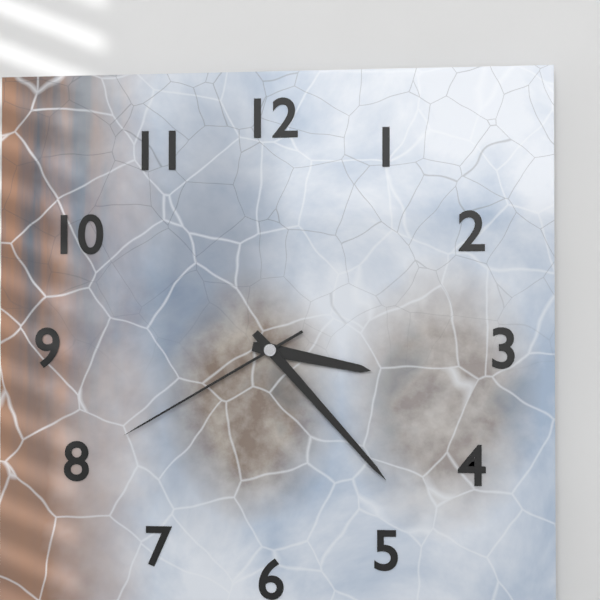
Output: 3h23m40s
